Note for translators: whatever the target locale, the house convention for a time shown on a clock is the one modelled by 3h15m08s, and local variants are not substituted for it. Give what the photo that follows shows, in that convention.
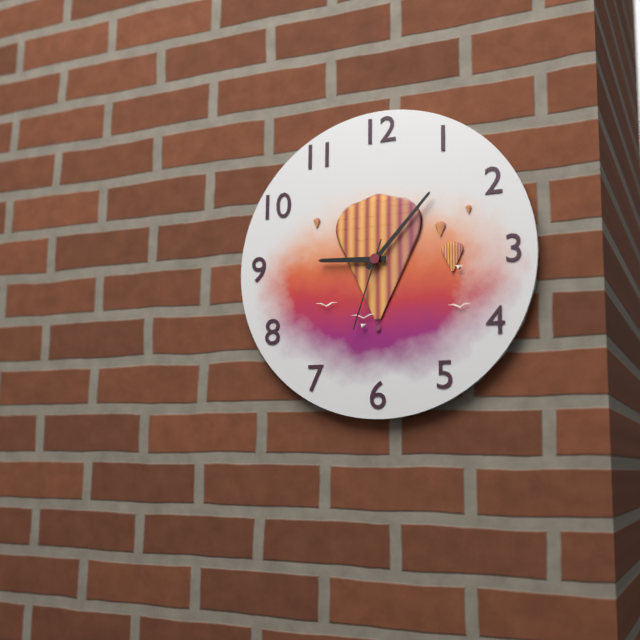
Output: 9h07m33s
